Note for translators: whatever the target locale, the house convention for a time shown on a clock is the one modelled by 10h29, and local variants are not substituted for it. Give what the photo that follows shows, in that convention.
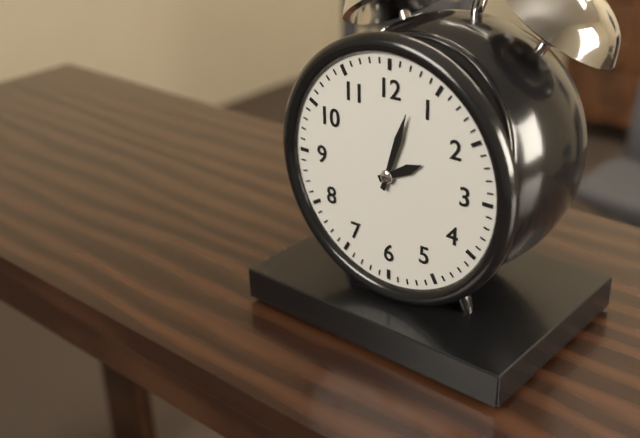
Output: 2h03
